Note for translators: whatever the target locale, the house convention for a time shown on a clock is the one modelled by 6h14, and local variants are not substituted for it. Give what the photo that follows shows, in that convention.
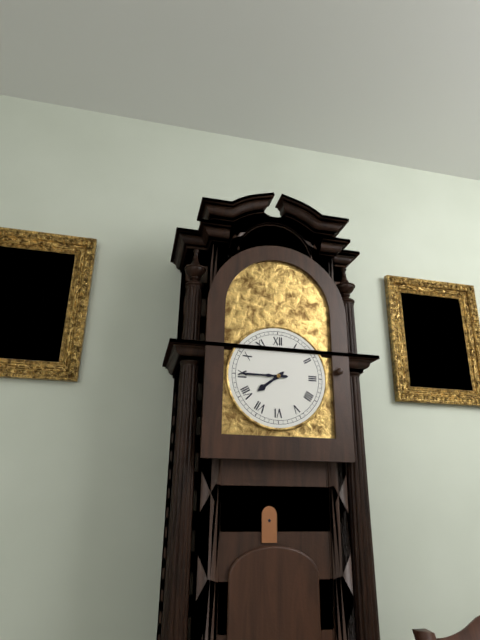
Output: 7h45
